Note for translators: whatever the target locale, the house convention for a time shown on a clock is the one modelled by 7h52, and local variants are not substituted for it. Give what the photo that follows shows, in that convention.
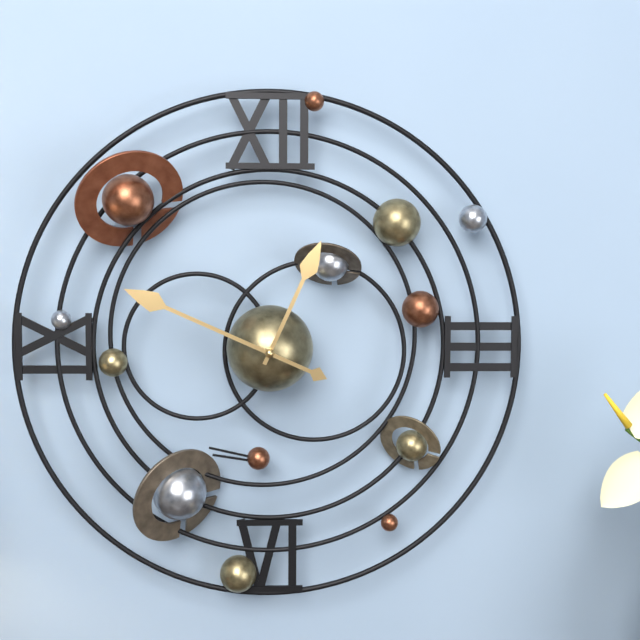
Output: 12h49
